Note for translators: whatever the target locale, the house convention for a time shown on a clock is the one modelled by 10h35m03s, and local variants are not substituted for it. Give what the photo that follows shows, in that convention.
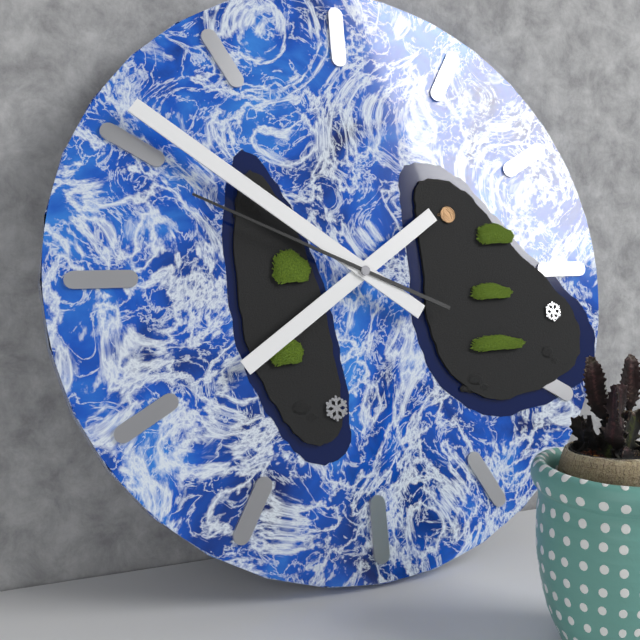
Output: 7h51m49s
